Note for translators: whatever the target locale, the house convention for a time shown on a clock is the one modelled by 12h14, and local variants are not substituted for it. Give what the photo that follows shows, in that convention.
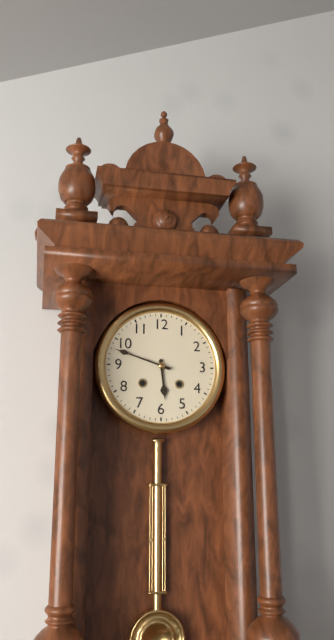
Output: 5h48
